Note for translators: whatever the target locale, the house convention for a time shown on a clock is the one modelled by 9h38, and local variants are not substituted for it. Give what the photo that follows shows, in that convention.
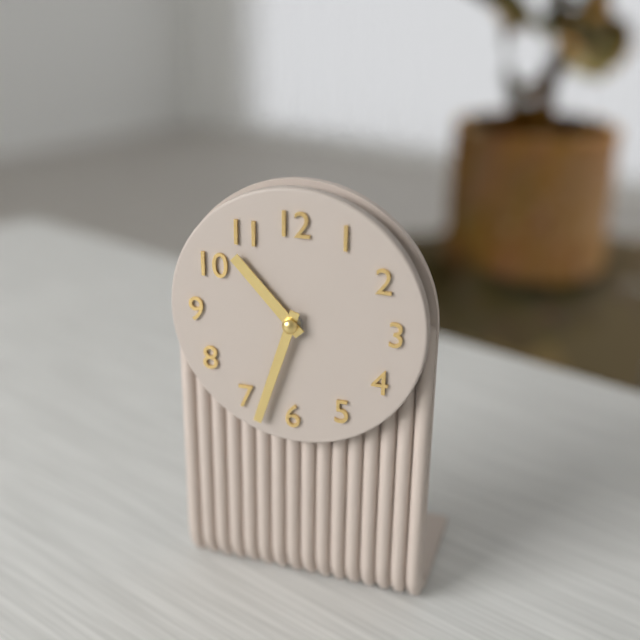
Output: 10h33
